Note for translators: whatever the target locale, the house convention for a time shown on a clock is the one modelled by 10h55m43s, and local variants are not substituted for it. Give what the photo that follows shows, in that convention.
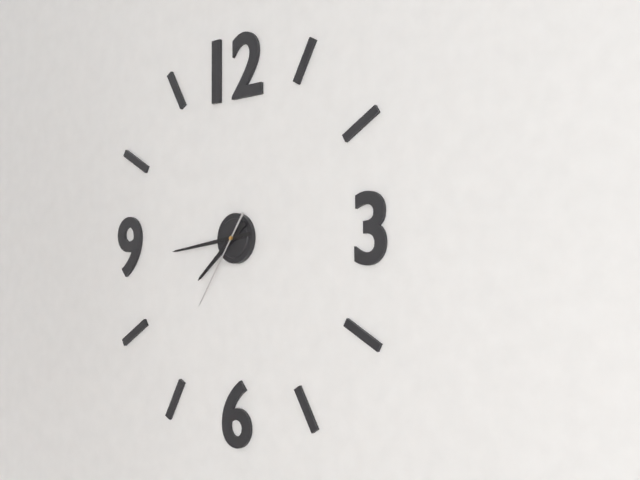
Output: 7h44m36s
